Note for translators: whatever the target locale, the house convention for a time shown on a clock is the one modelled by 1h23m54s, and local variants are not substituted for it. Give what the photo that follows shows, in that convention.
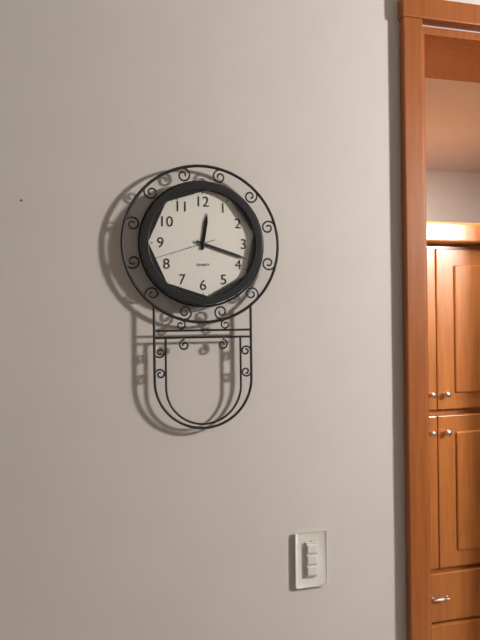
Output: 12h18m42s
